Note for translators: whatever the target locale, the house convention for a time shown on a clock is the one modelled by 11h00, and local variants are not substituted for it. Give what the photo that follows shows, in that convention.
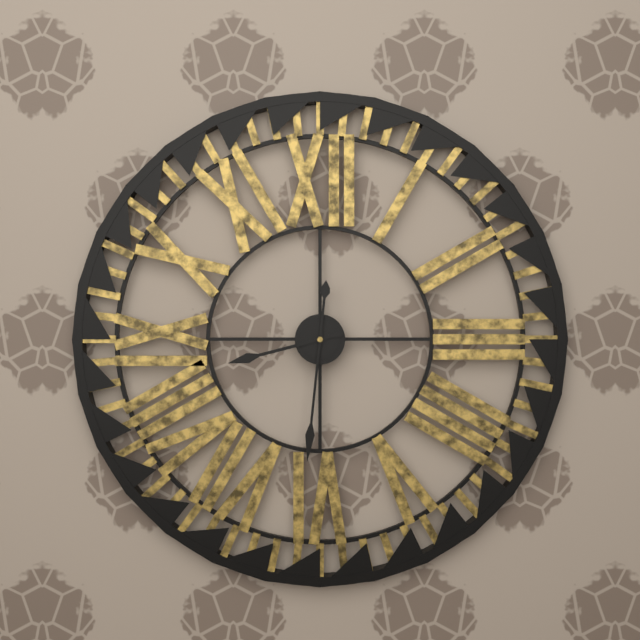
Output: 8h31
